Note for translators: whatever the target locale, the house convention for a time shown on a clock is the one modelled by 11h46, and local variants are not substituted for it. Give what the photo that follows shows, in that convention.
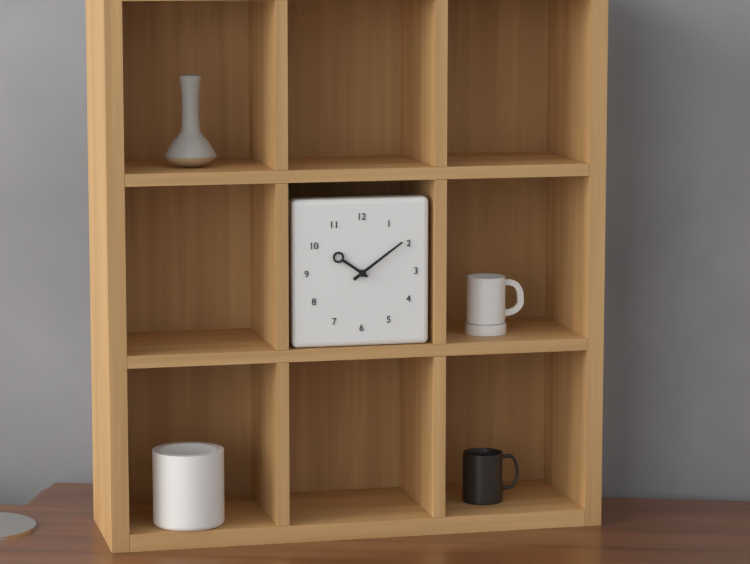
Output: 10h09
